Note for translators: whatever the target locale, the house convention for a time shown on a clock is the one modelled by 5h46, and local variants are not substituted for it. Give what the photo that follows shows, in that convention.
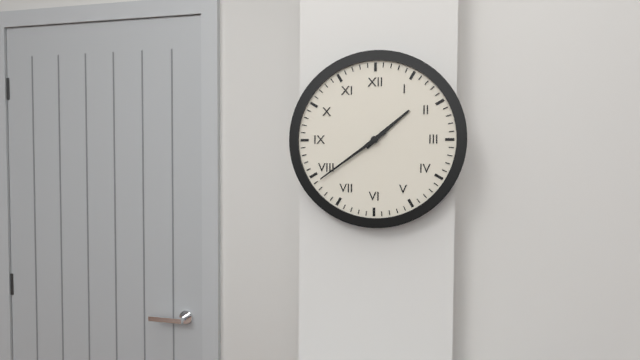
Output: 1h39
